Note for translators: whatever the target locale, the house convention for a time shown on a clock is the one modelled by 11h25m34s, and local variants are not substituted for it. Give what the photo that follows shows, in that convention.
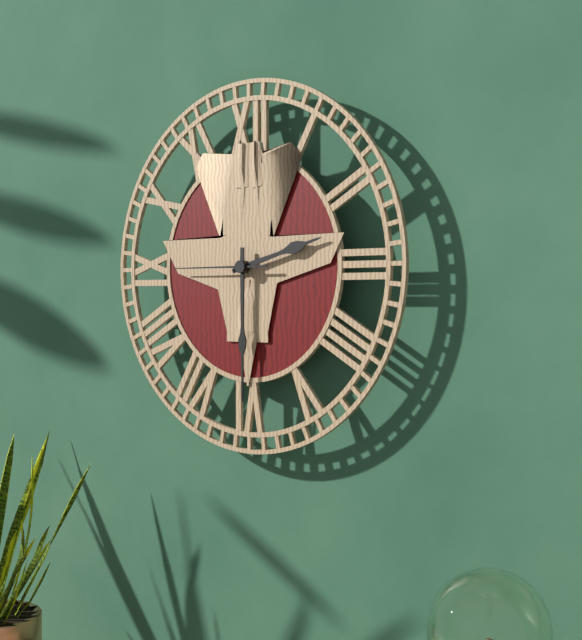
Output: 2h30m45s
